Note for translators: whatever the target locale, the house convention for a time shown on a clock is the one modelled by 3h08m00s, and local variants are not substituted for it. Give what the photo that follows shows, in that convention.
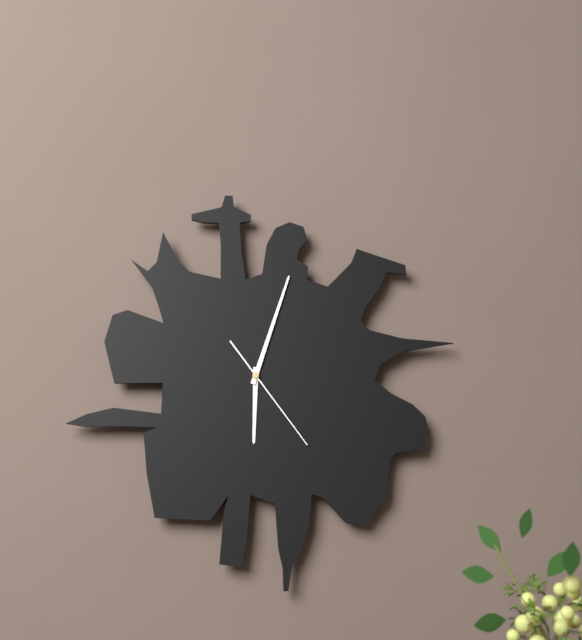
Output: 6h03m24s
